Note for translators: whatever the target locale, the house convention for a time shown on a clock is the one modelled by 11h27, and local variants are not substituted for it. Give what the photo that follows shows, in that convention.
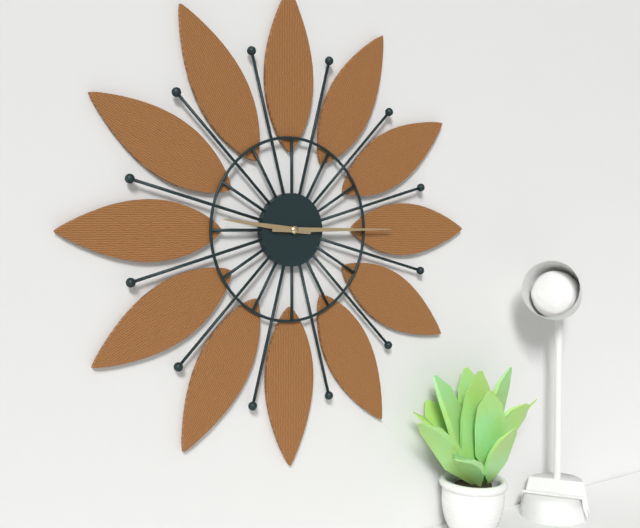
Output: 9h15
